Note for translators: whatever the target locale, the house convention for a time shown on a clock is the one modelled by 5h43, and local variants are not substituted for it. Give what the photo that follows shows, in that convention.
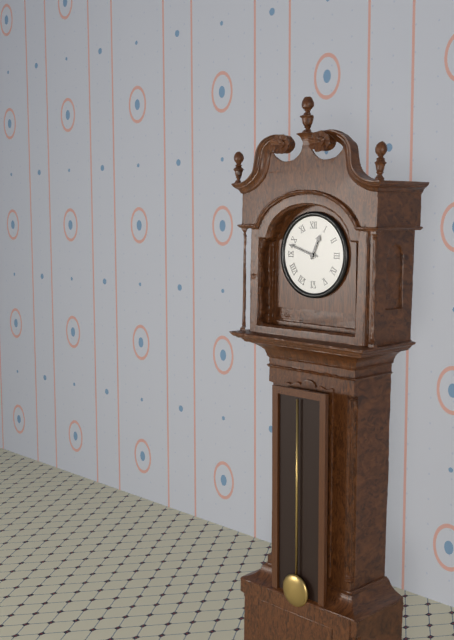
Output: 12h48
